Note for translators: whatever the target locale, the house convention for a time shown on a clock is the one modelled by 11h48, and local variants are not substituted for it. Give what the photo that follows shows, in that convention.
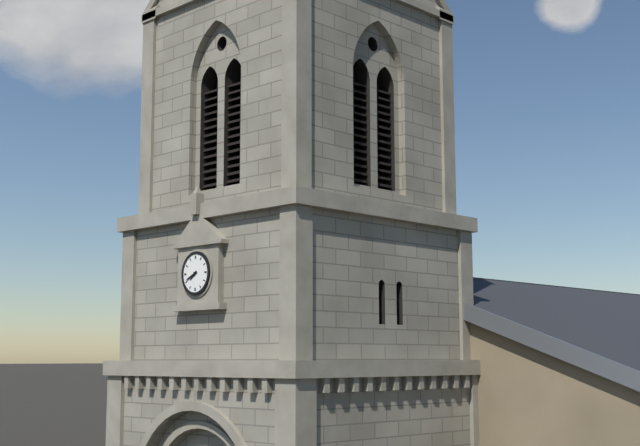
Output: 7h41
